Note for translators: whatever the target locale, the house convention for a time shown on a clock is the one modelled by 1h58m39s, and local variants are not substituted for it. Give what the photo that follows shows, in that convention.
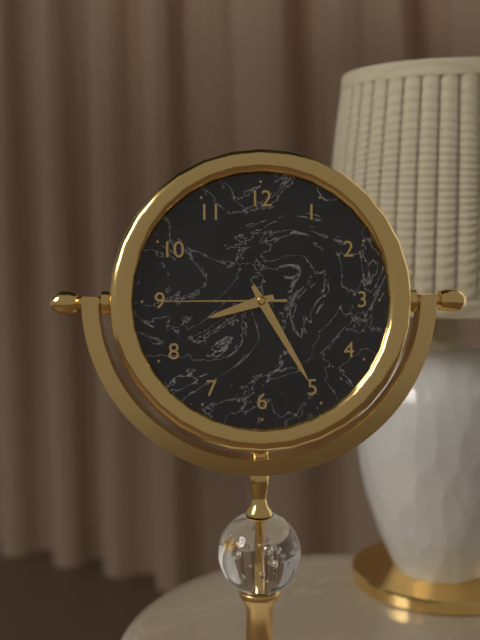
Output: 8h25m45s
